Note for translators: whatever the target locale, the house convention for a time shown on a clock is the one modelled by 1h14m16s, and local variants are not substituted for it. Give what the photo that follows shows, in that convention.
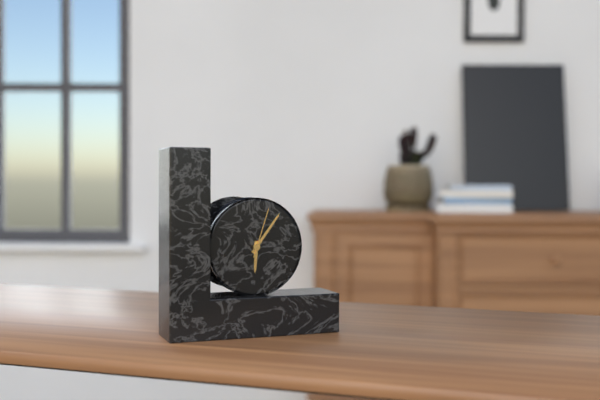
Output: 6h06m03s
